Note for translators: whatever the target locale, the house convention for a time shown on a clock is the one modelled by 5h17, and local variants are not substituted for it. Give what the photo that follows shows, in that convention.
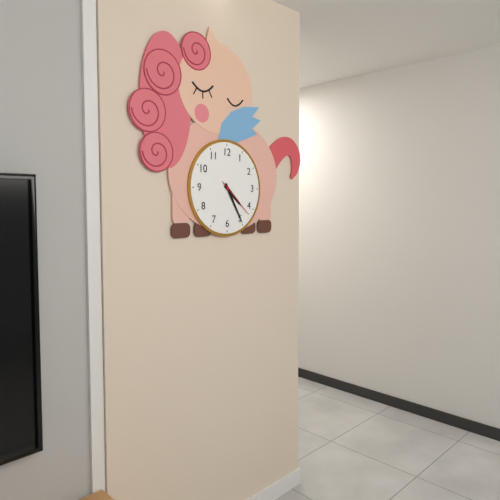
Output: 4h25
